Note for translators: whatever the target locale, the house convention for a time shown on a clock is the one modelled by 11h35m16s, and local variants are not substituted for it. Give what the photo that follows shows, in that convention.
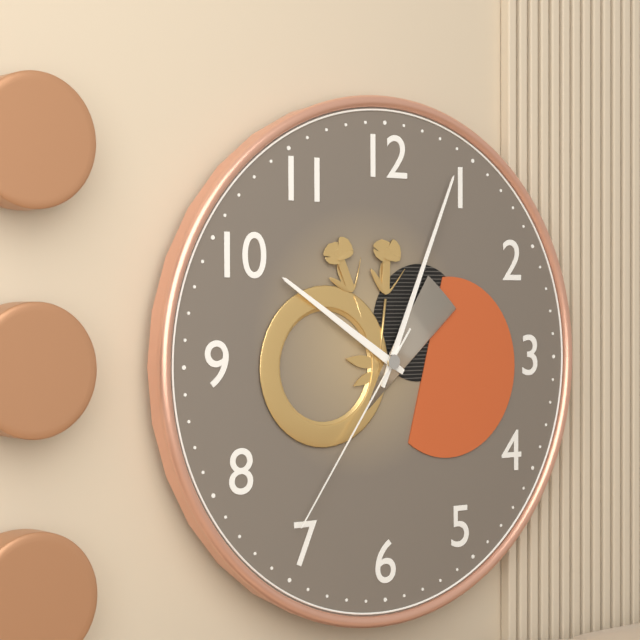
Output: 10h04m36s
